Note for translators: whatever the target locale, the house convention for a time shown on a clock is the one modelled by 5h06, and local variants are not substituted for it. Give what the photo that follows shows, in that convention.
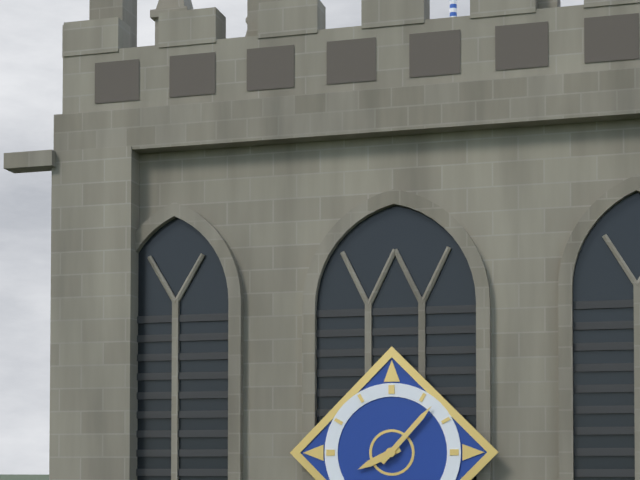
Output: 8h07
